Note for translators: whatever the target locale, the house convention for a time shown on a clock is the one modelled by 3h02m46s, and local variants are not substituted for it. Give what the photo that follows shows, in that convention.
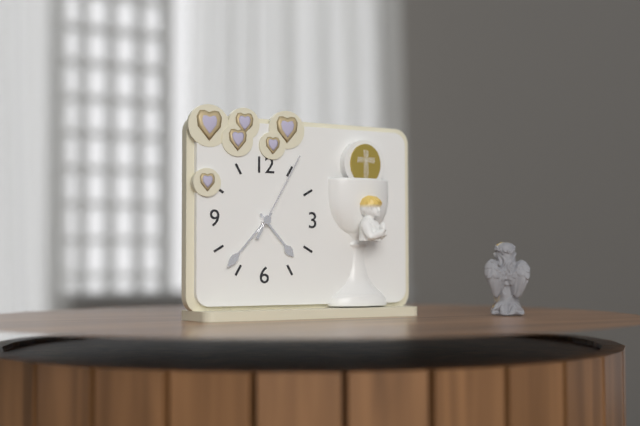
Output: 4h37m05s
